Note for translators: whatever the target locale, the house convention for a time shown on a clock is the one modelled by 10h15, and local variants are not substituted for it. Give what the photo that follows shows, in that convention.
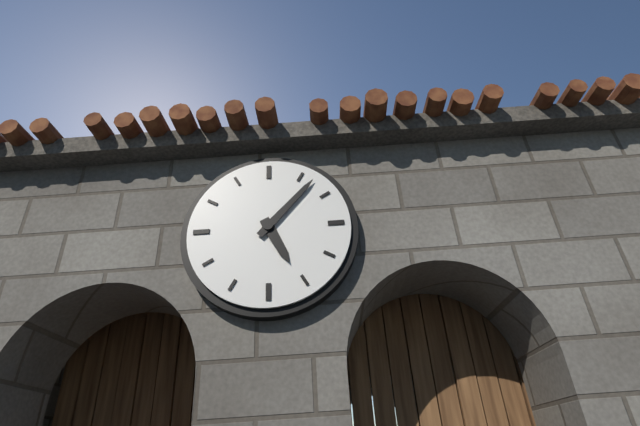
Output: 5h07
